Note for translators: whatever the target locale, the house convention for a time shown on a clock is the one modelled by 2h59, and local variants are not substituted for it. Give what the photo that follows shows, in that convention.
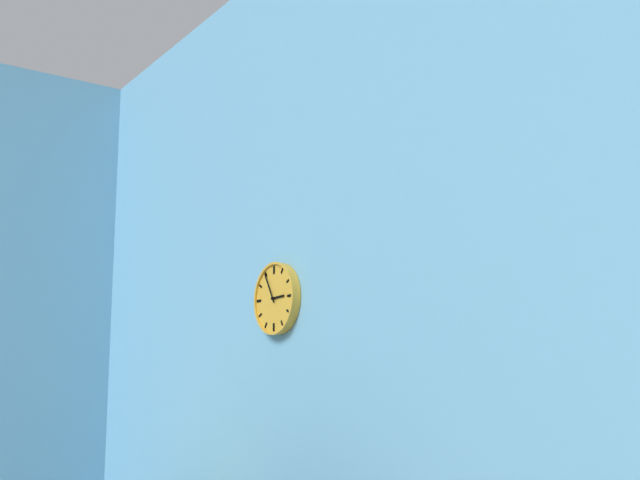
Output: 2h55
